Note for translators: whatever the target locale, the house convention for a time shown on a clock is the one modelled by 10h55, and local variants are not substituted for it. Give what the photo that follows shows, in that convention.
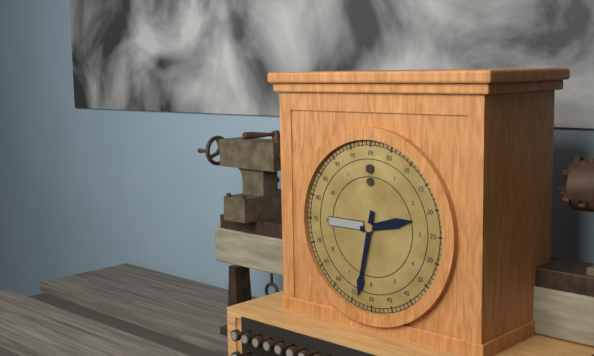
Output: 2h32
